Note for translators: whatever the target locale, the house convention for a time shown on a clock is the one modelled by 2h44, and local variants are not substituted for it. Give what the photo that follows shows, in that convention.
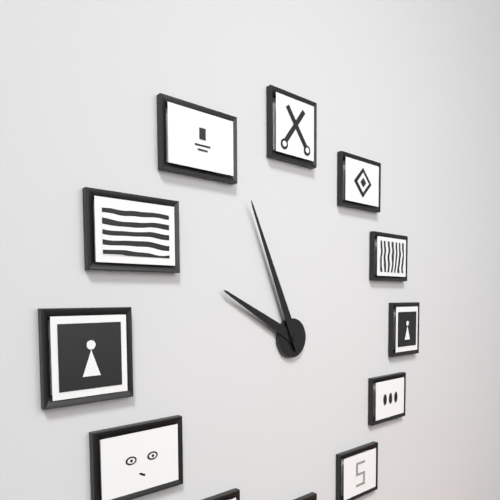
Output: 9h56
